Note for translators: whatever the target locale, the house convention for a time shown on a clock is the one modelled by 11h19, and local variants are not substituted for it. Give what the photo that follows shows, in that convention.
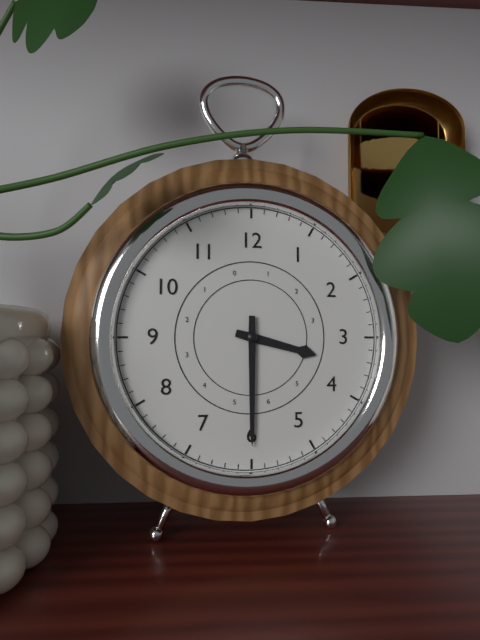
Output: 3h30
